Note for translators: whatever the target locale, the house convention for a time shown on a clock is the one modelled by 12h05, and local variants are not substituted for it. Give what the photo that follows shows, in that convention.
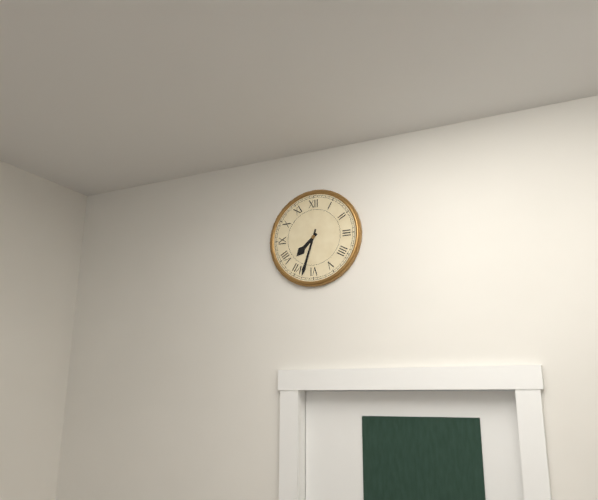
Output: 7h33
